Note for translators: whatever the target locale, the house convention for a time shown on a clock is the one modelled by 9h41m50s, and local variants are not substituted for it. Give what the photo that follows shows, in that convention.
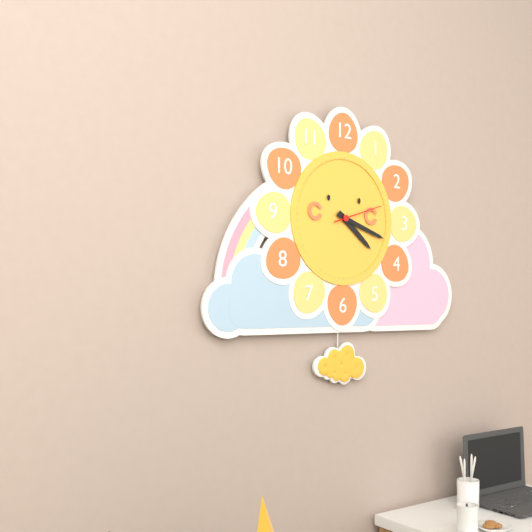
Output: 4h18m12s
